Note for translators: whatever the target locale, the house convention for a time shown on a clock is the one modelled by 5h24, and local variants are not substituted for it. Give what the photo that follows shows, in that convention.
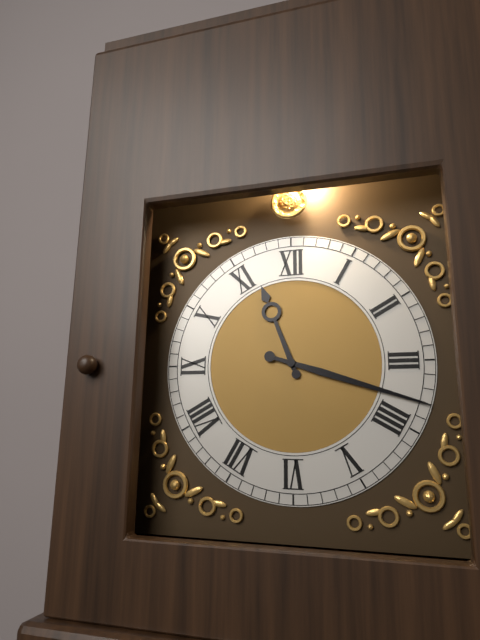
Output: 11h18
